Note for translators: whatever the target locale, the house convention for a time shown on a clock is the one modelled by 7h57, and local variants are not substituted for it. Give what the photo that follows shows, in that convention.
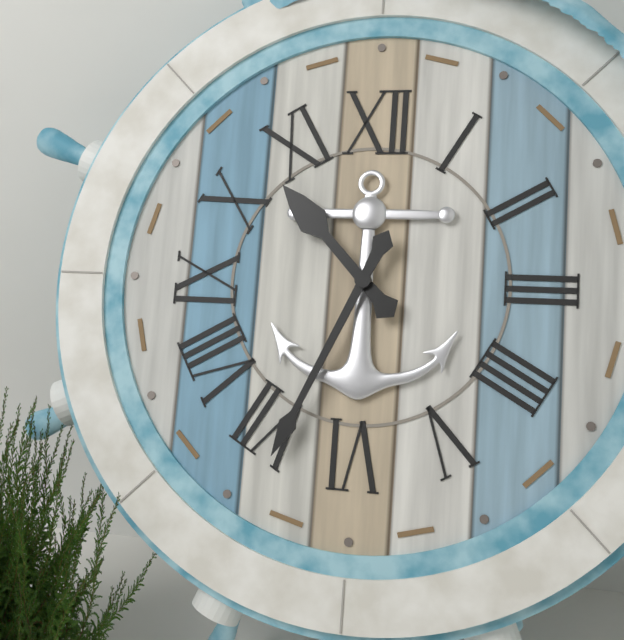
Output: 10h34
